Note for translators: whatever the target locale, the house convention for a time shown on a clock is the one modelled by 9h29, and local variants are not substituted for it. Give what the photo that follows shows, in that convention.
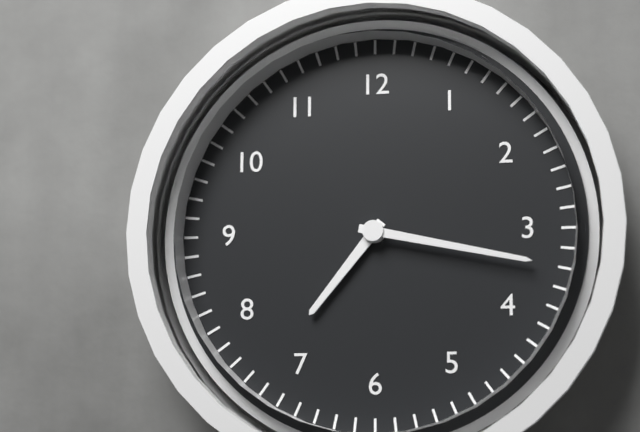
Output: 7h17
